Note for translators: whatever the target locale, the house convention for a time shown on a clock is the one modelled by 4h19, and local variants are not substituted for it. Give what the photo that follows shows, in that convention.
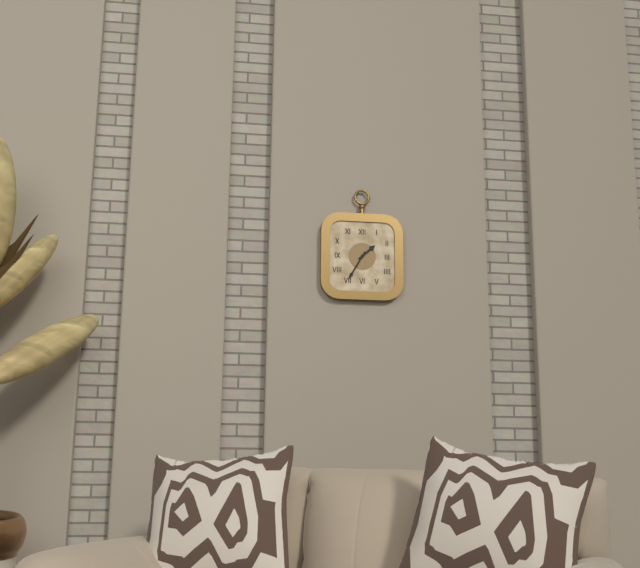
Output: 1h35
